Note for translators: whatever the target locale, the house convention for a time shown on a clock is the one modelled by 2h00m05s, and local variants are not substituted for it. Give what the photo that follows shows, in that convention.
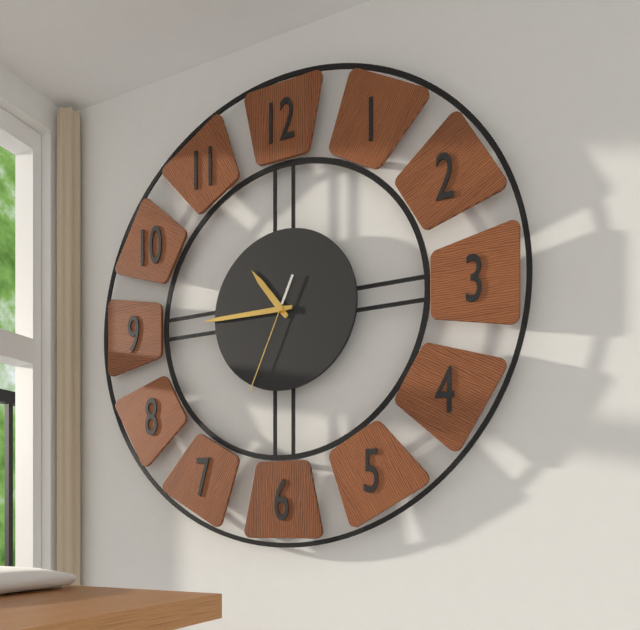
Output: 10h45m34s
